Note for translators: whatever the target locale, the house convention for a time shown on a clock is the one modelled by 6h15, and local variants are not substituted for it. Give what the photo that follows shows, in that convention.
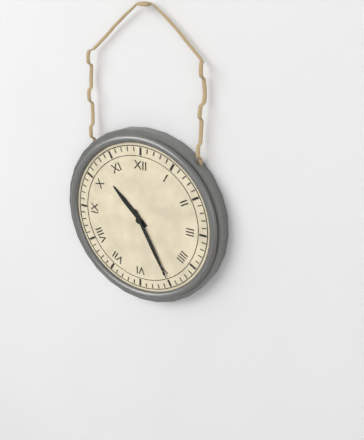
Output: 10h25
